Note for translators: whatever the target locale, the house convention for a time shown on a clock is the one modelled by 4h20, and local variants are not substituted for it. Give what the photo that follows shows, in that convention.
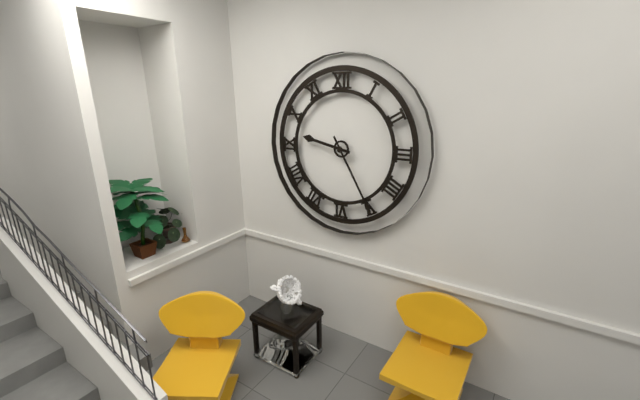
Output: 9h25
